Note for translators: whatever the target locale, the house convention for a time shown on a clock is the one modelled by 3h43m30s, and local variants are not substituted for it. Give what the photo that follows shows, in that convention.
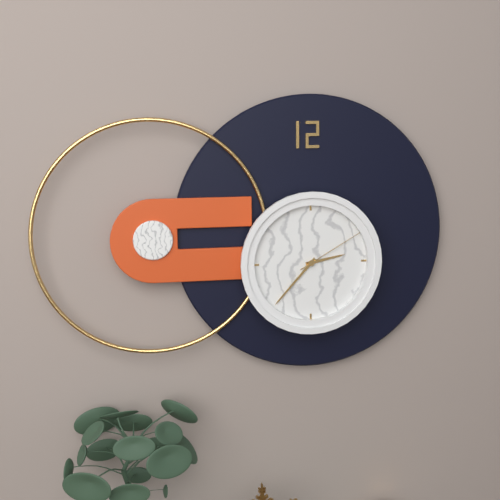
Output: 2h37m10s
